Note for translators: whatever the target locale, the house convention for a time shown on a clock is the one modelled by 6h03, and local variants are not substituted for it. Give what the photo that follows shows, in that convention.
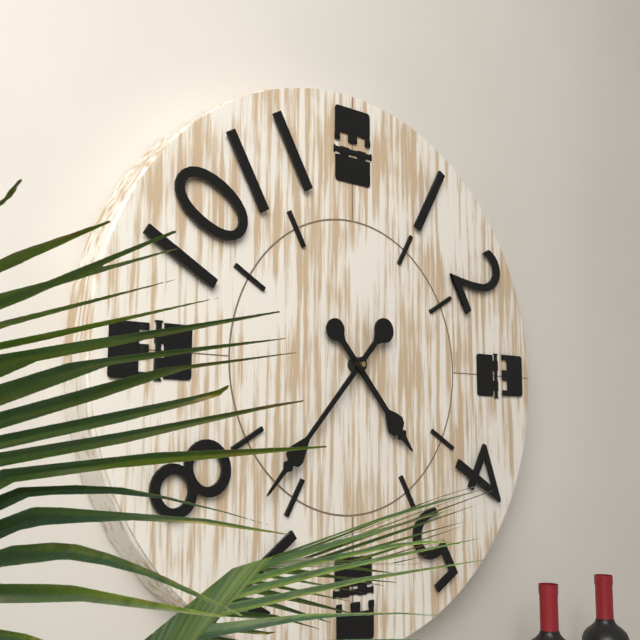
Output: 4h37
